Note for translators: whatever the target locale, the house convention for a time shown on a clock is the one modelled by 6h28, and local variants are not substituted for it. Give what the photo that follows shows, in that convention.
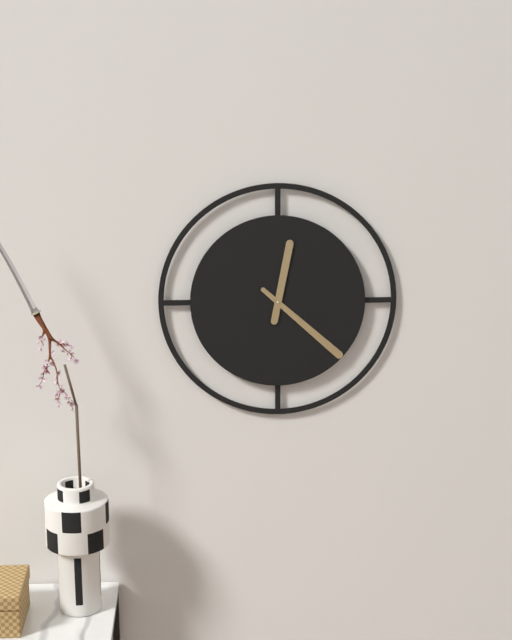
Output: 12h22
